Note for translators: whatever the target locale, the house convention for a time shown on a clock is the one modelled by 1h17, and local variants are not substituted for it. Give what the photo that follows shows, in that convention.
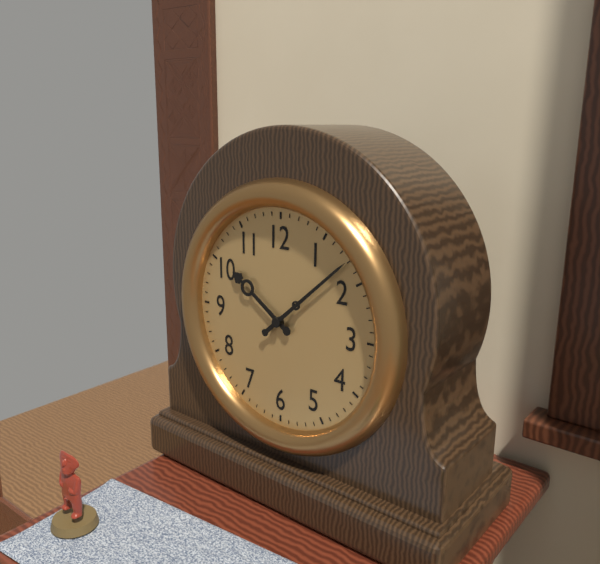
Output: 10h08
